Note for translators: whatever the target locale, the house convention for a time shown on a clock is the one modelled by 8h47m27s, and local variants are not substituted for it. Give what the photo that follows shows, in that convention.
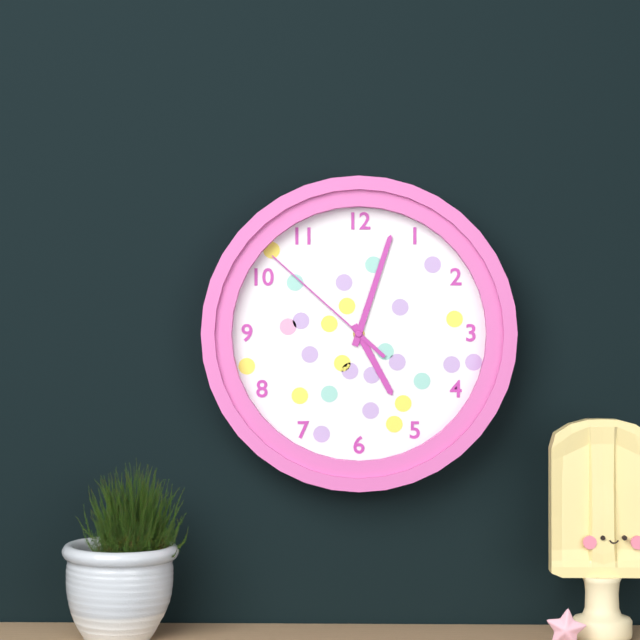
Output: 5h03m52s
